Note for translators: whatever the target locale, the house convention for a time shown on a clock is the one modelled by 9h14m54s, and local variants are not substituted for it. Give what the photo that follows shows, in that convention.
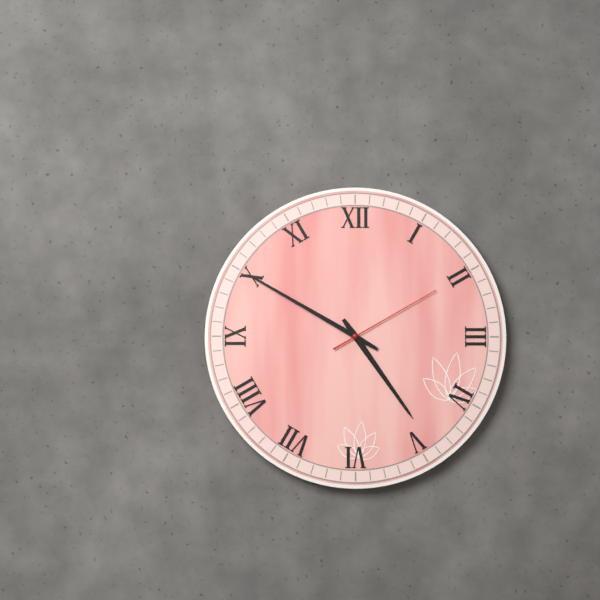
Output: 4h50m10s
